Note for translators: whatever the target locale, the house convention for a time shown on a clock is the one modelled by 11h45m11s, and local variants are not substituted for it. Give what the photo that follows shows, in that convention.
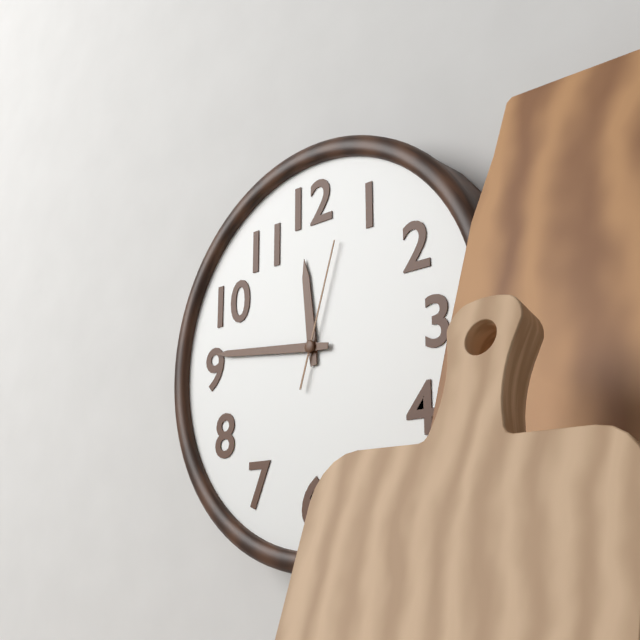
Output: 11h46m03s
